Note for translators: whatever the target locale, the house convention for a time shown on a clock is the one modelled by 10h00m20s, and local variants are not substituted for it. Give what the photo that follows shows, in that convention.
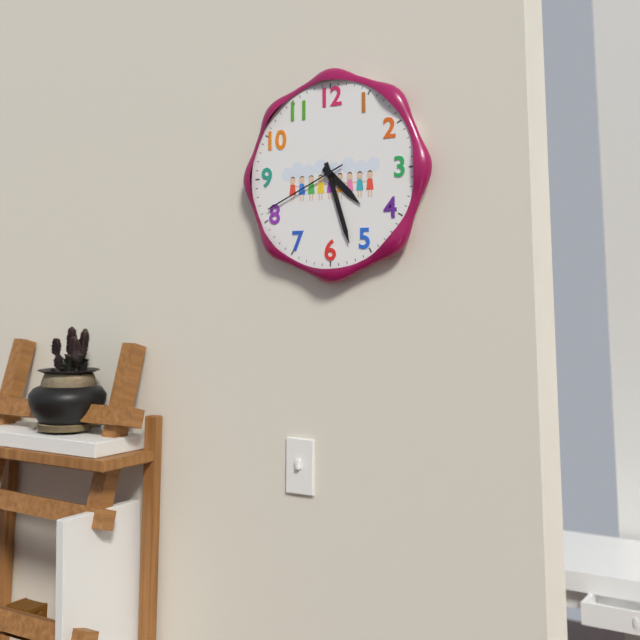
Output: 4h27m41s
